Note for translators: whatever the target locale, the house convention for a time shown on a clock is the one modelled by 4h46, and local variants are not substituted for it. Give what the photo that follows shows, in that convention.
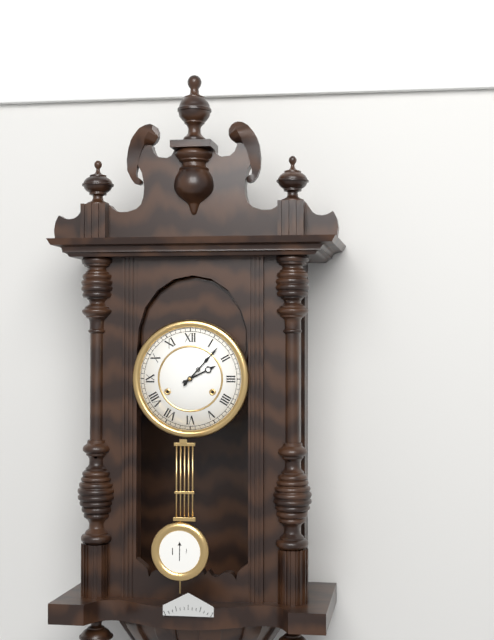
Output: 2h07
